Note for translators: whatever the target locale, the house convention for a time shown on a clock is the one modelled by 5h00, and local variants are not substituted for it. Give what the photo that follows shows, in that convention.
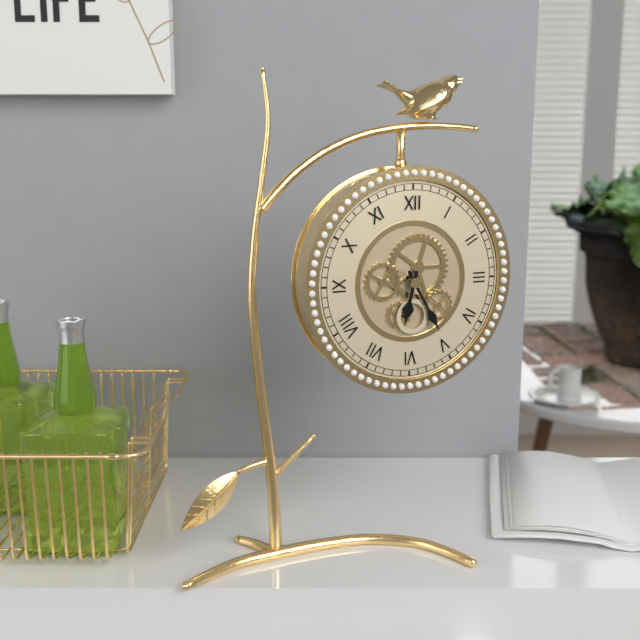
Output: 6h25
